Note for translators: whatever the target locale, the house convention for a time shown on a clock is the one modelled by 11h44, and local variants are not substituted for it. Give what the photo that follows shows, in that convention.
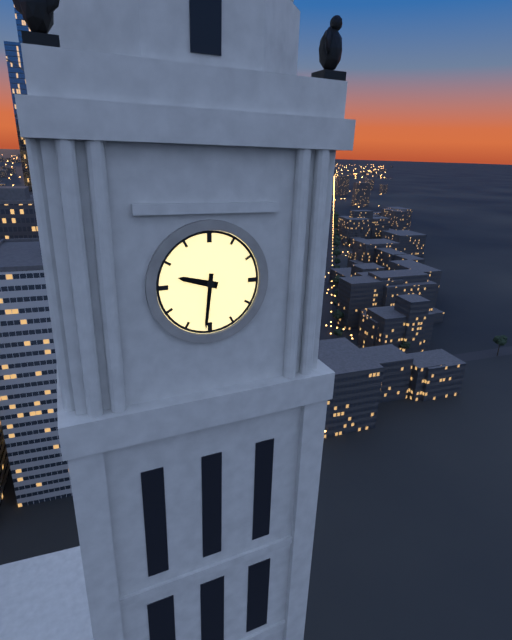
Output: 9h31
